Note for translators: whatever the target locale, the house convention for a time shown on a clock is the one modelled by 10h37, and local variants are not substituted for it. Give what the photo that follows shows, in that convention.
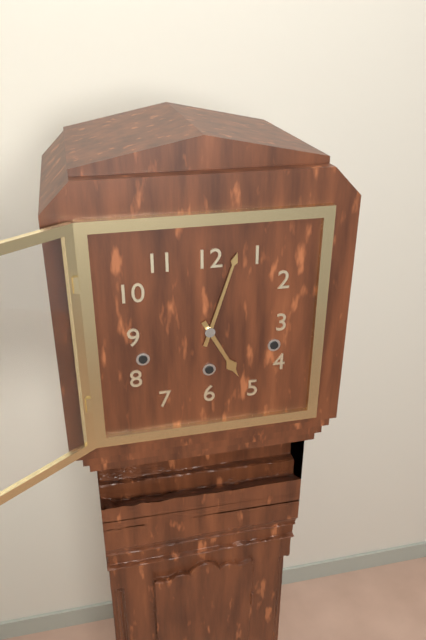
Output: 5h03
